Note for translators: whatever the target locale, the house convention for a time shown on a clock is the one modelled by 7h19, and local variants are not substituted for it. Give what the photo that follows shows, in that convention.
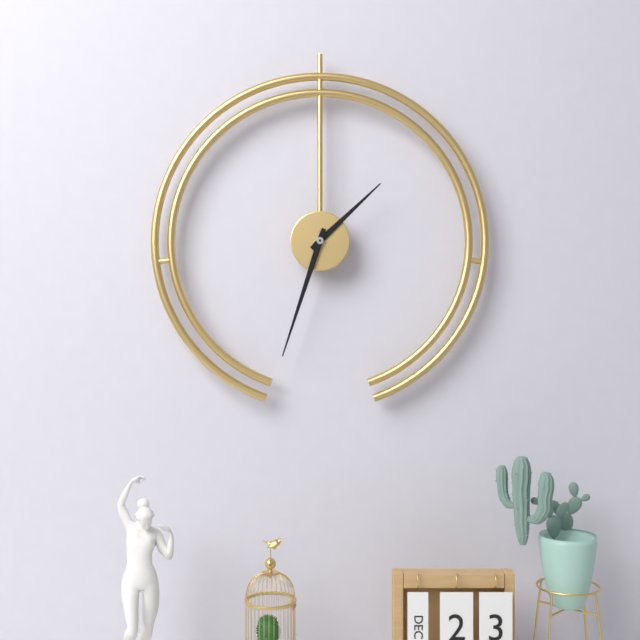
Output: 1h33
